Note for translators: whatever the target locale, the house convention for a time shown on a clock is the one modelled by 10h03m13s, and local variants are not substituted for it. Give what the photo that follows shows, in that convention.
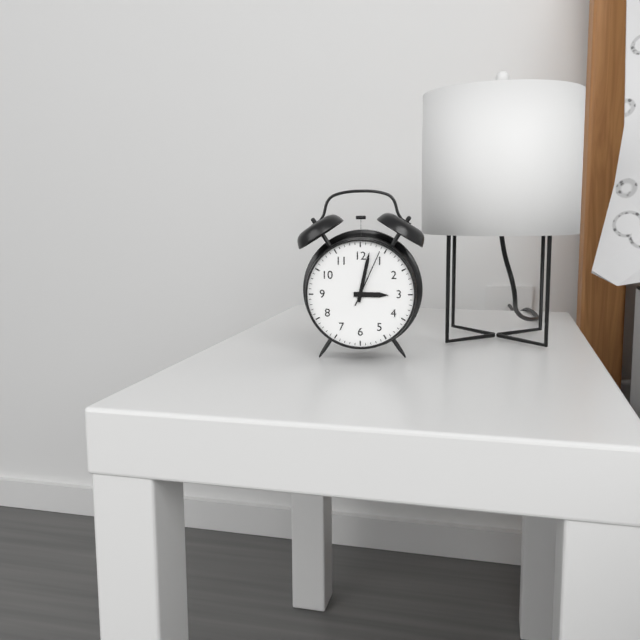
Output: 3h02m04s
